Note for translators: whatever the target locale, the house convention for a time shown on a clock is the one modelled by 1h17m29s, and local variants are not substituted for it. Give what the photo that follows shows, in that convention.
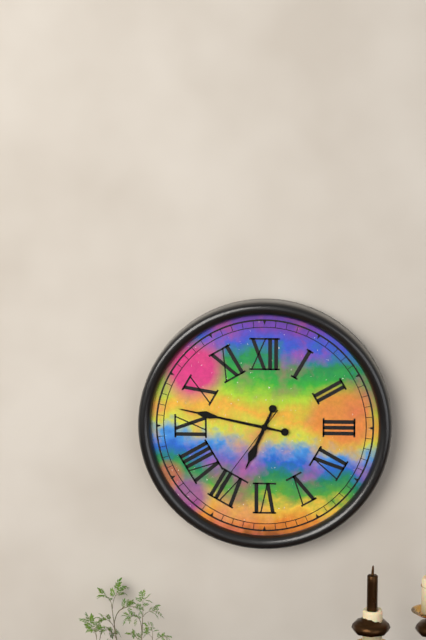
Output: 6h47m36s
